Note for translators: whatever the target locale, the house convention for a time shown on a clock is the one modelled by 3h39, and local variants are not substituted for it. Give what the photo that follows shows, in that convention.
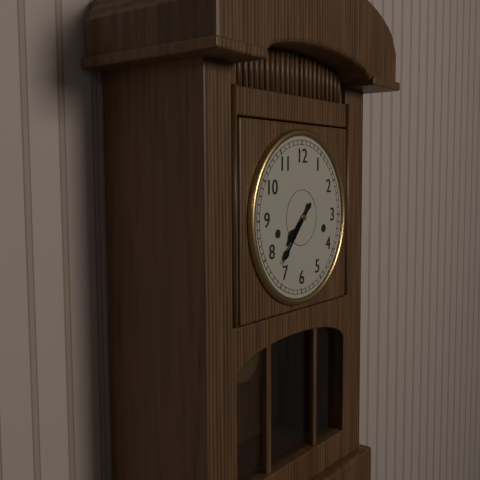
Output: 7h37
